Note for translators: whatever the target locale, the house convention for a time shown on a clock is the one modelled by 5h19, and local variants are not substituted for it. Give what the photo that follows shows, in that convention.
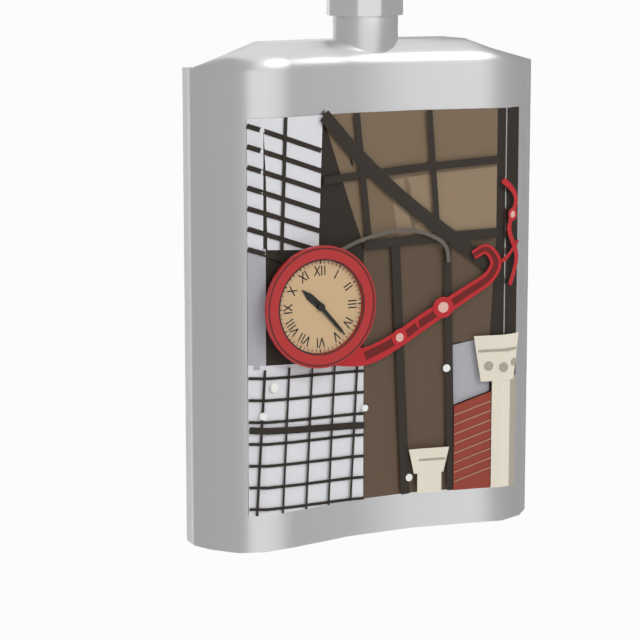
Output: 10h23
